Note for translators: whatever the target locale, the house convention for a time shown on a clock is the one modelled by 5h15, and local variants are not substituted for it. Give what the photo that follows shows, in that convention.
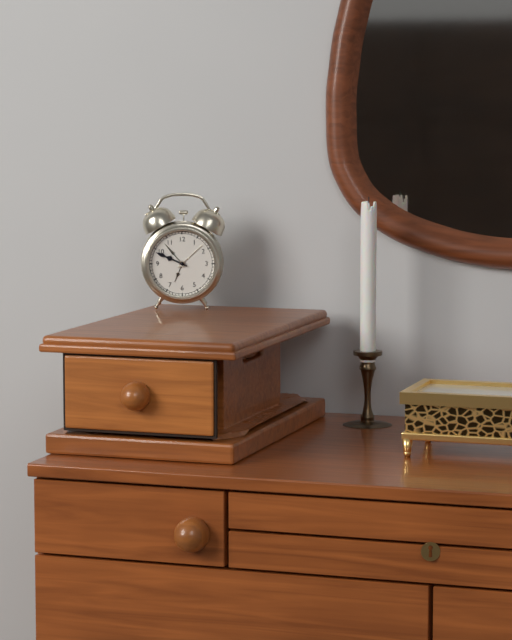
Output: 9h49
